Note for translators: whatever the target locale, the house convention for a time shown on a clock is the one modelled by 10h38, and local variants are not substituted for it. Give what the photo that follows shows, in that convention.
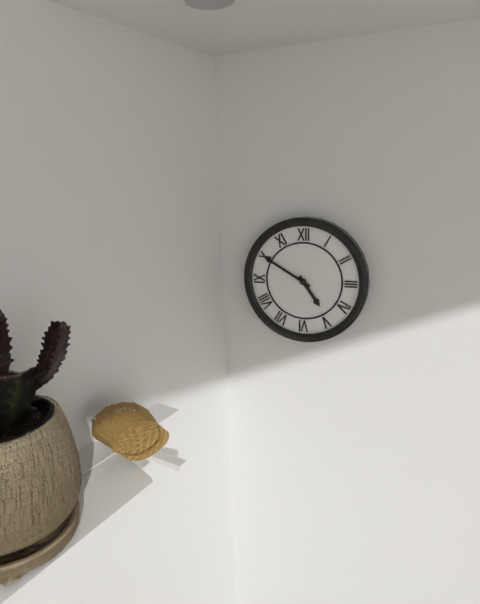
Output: 4h50
